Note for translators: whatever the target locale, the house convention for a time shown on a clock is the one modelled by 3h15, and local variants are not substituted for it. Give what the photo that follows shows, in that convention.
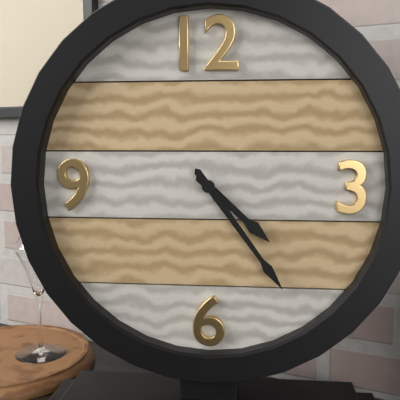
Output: 4h24
